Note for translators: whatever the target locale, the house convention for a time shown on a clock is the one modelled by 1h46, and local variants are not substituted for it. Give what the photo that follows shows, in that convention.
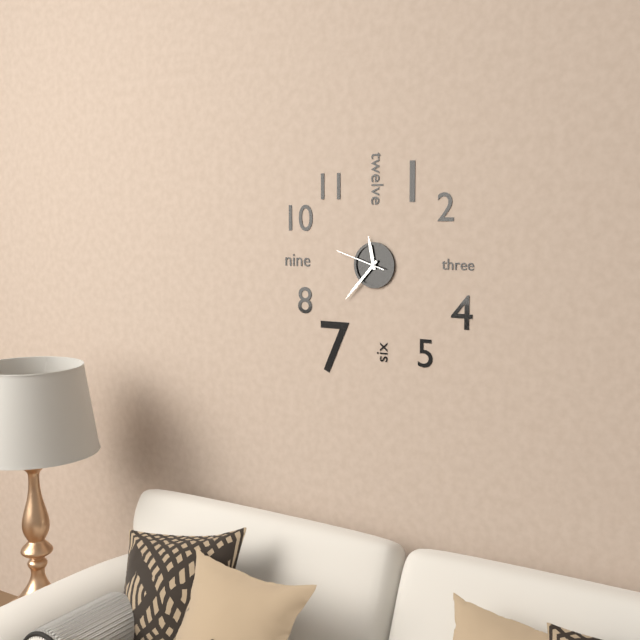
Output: 11h37
